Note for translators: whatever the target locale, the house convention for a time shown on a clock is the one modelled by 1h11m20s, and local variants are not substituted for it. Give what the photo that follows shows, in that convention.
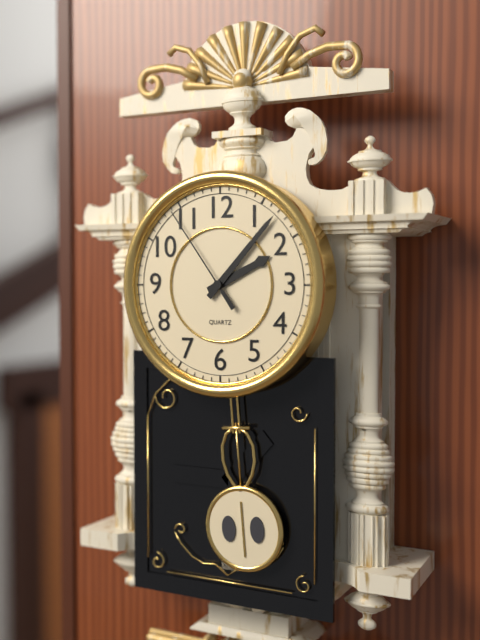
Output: 2h07m54s
